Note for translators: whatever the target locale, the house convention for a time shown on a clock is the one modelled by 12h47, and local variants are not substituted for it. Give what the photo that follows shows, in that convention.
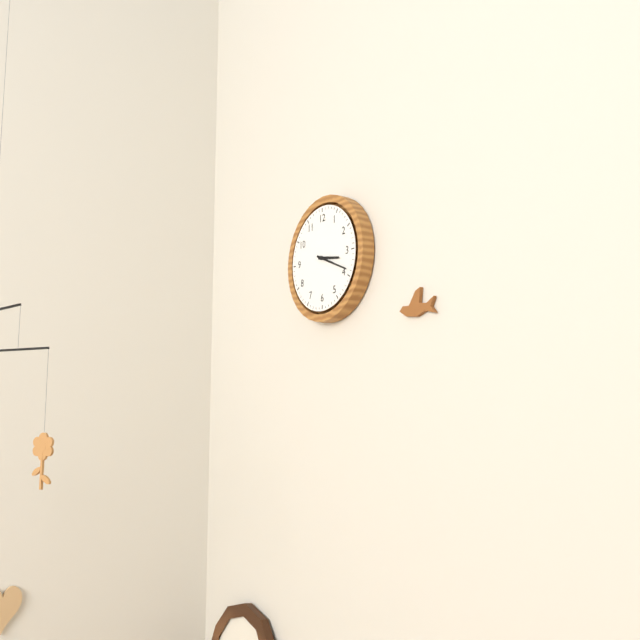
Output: 3h19
